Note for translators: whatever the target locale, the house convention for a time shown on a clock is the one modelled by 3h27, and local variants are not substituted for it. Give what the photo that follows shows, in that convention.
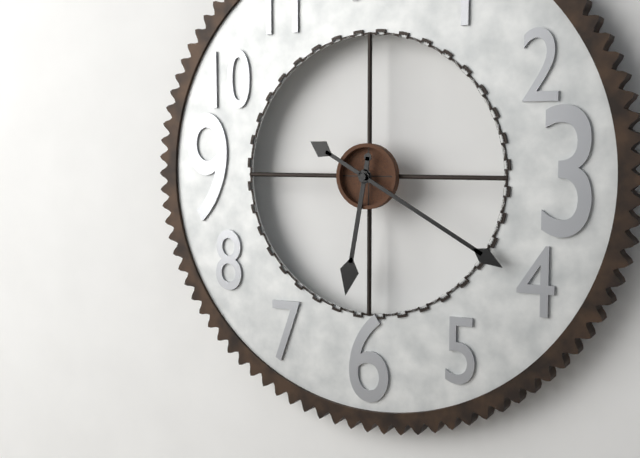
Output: 6h20
